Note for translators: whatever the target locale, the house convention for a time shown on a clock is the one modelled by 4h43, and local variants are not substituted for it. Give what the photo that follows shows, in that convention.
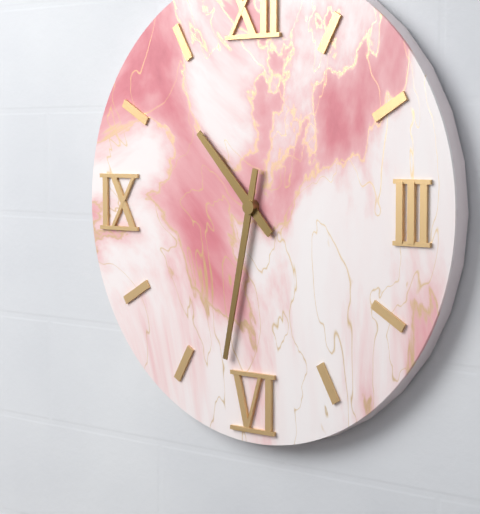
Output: 10h32
